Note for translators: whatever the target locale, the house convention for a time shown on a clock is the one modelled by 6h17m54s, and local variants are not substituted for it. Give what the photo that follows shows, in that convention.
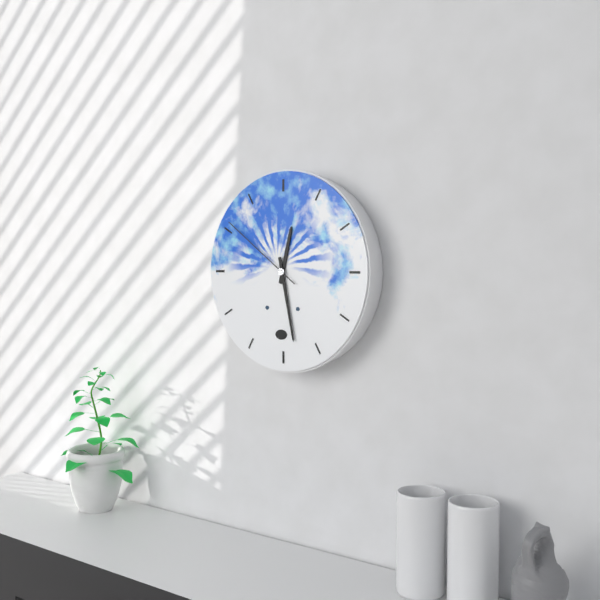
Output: 12h28m51s
